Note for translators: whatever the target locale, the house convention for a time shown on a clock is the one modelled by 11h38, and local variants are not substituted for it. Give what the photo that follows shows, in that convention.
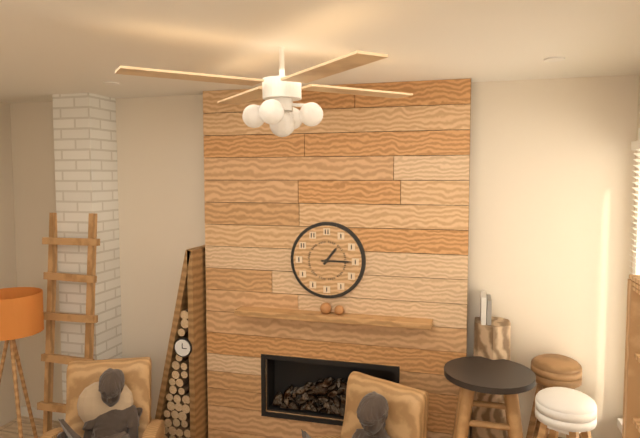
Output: 1h15
